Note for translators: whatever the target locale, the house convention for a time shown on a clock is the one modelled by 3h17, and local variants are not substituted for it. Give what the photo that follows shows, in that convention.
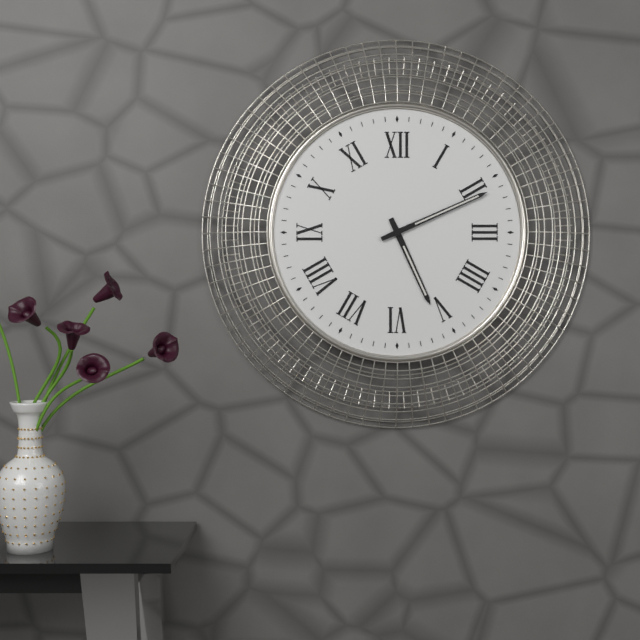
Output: 5h11
